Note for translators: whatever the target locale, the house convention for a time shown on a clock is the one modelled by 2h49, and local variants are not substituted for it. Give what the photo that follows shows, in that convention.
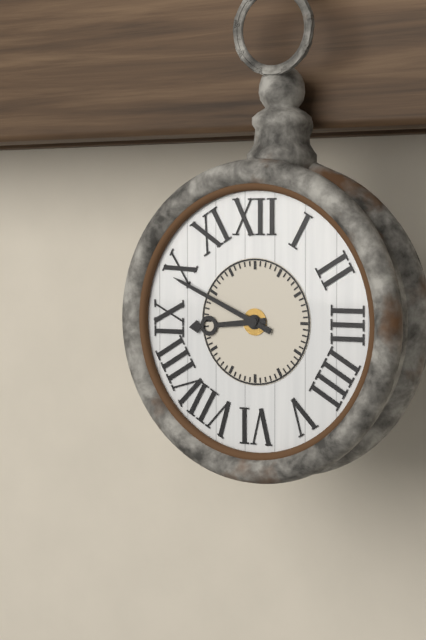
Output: 8h49
